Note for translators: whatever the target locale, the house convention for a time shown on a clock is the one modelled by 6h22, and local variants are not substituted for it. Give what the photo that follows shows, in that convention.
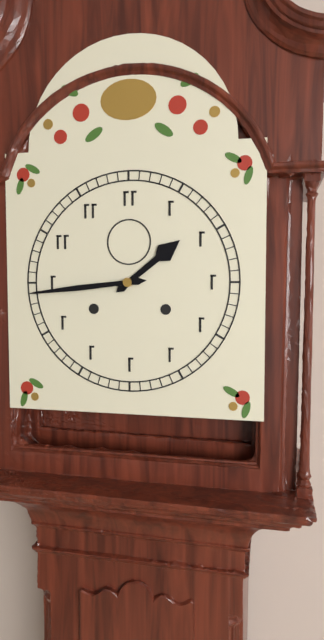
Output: 1h44
